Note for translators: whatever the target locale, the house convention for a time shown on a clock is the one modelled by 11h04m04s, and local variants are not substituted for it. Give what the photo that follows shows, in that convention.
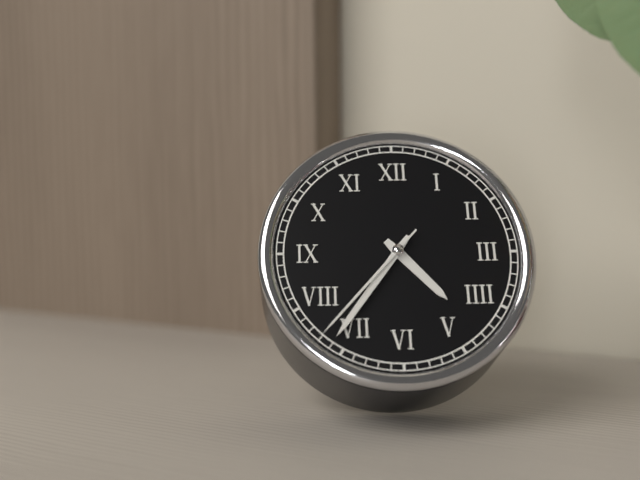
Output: 4h36m37s
